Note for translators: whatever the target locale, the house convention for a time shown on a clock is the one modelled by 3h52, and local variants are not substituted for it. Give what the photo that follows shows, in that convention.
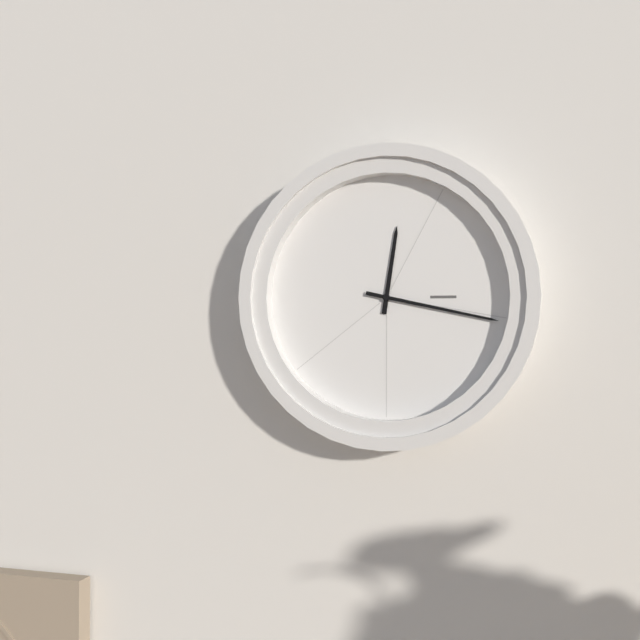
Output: 12h17
